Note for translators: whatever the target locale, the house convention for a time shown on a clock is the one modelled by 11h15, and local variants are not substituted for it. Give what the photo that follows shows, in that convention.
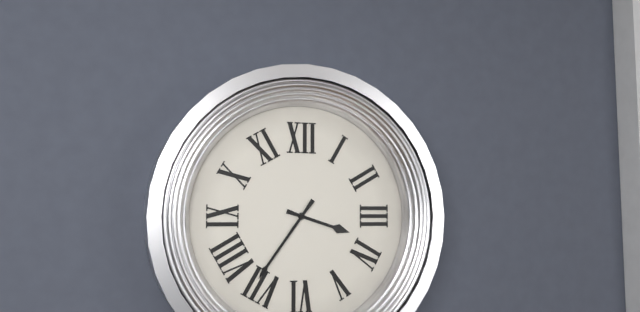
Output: 3h36
